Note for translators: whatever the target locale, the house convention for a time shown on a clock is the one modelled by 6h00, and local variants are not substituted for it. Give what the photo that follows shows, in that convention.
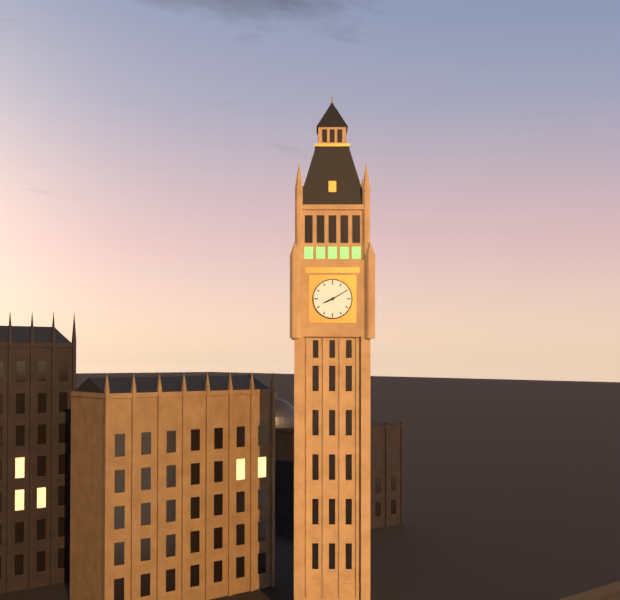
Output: 8h10
